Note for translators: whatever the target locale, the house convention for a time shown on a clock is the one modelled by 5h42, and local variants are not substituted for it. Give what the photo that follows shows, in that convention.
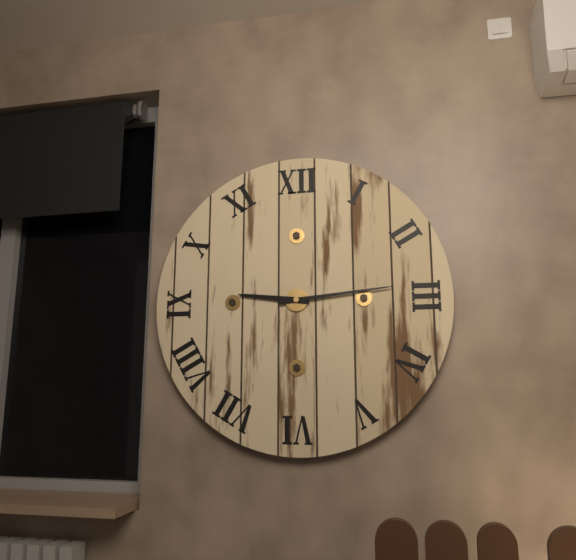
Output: 9h14
